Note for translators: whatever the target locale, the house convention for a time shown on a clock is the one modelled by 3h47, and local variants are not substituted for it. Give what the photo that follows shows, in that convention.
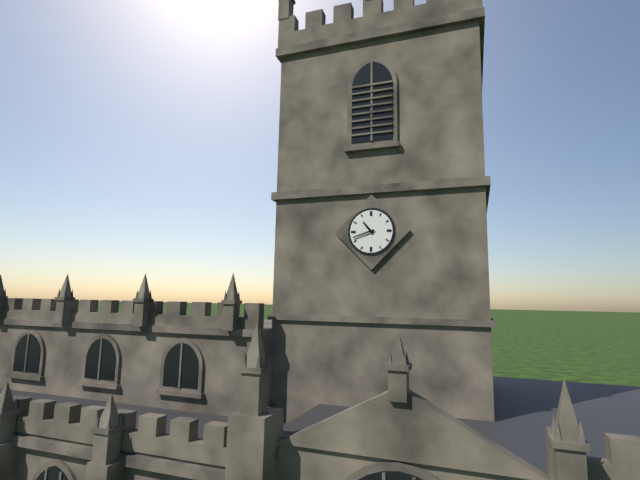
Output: 10h42
